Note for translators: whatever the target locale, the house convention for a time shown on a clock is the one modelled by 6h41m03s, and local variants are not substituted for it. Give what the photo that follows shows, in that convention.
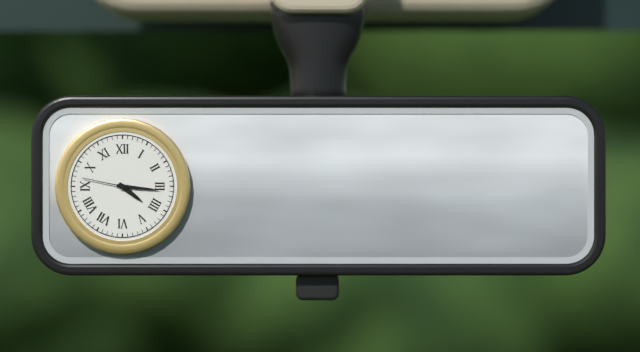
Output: 4h16m47s
